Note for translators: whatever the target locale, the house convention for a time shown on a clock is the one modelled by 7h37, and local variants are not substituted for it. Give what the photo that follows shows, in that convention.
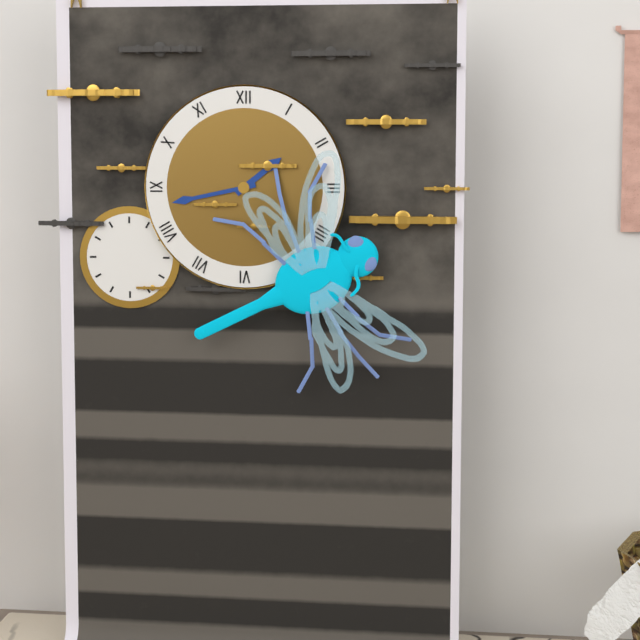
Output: 1h43
